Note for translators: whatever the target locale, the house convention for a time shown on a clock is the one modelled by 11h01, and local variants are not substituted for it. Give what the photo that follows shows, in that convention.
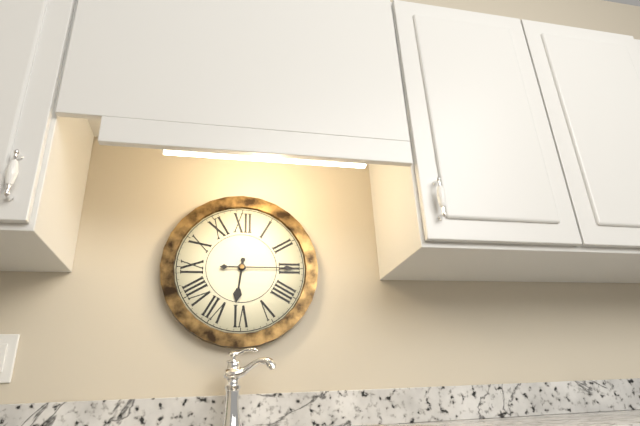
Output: 6h15
